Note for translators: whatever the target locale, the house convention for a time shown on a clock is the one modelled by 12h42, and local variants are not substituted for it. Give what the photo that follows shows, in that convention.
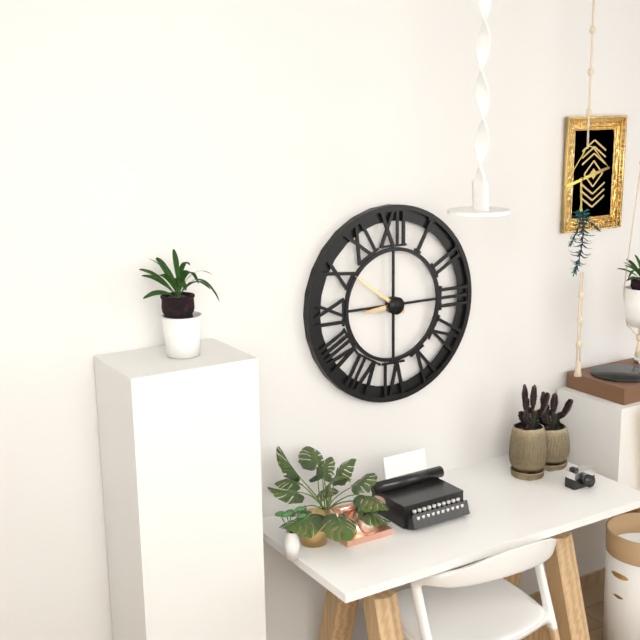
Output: 8h51
